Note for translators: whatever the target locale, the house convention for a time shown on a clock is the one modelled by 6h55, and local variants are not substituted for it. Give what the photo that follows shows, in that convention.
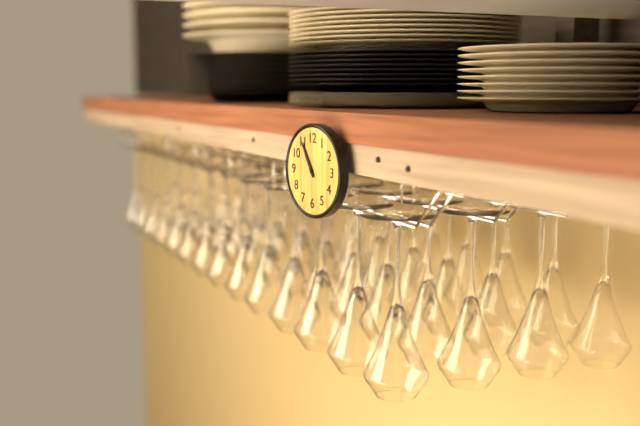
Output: 10h55
